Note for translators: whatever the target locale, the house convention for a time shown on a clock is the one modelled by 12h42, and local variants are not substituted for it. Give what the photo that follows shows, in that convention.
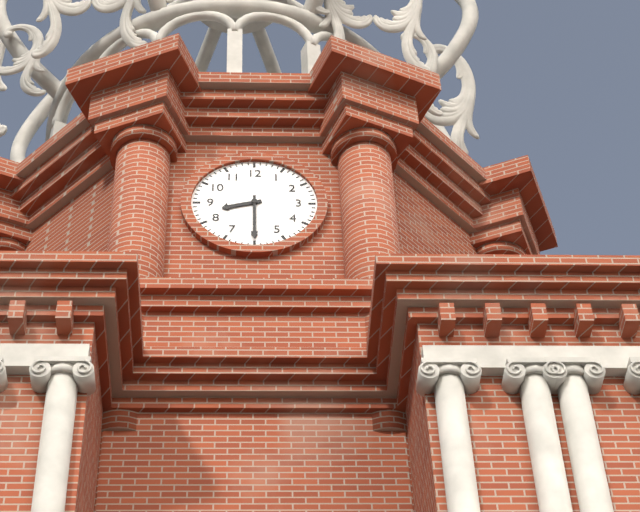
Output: 8h30
